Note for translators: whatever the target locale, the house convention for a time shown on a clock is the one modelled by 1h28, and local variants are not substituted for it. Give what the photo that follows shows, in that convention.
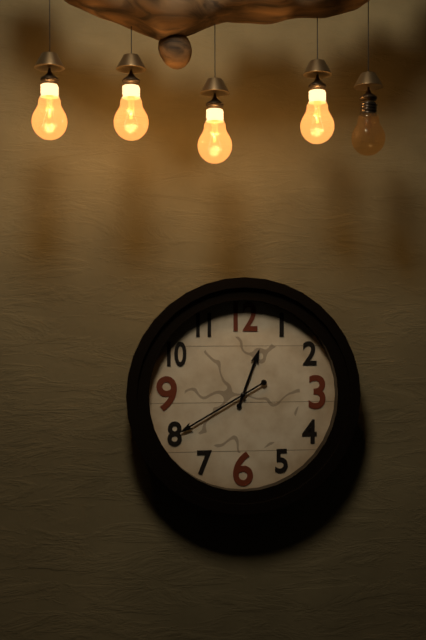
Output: 12h40
